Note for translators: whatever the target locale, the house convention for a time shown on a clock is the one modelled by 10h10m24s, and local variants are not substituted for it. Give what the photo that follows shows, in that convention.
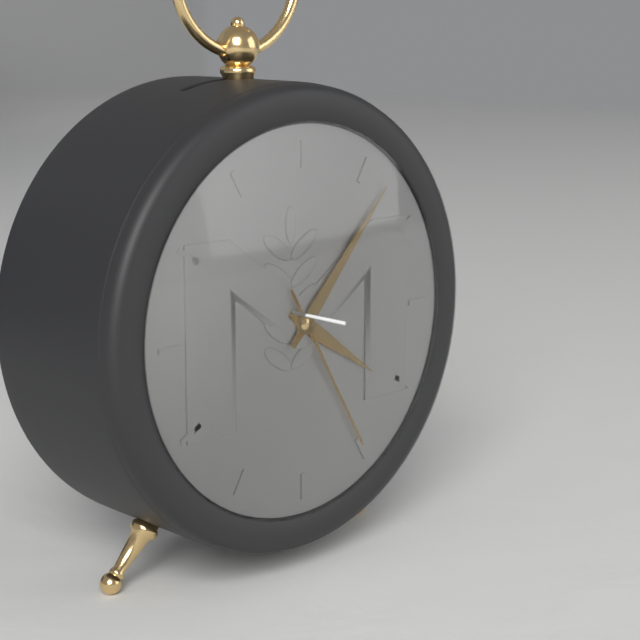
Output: 4h07m25s
